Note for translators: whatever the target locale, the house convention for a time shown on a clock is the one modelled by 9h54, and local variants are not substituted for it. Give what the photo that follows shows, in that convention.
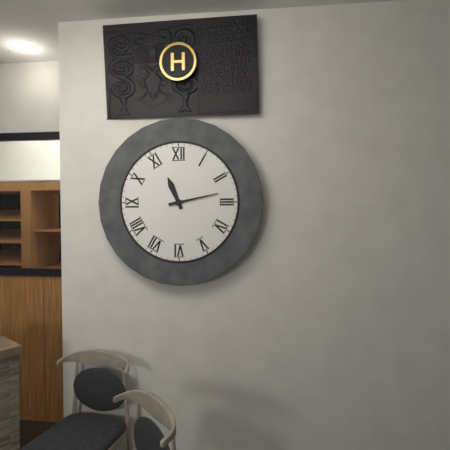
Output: 11h13
